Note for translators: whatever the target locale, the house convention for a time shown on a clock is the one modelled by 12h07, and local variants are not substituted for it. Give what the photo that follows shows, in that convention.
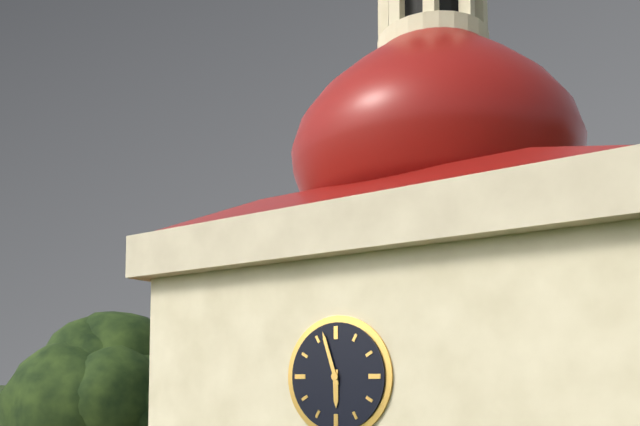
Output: 5h57
